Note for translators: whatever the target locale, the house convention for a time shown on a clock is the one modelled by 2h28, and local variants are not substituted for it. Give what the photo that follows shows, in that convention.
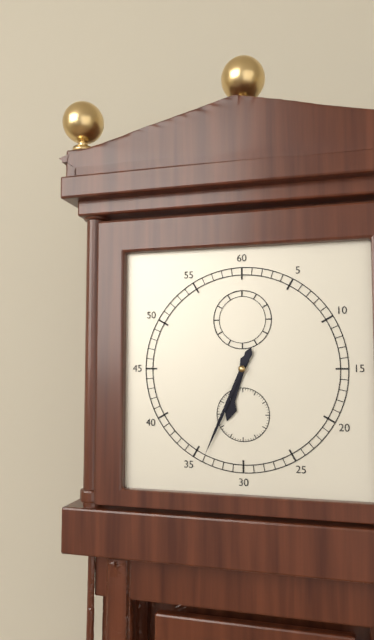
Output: 6h34
